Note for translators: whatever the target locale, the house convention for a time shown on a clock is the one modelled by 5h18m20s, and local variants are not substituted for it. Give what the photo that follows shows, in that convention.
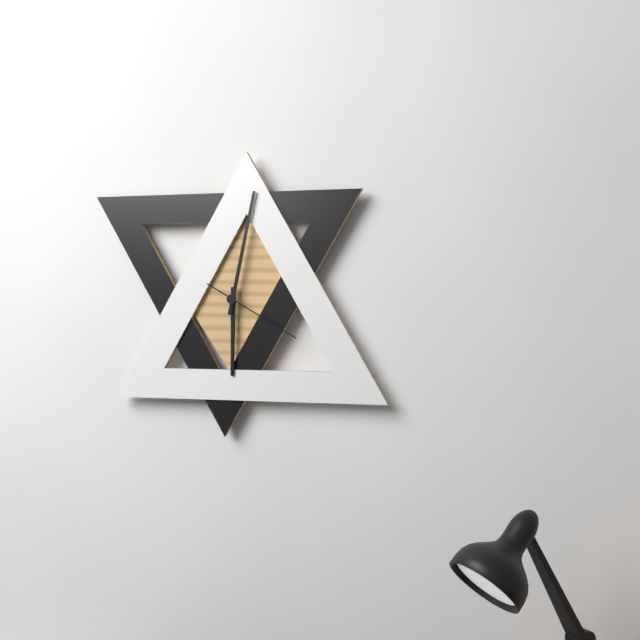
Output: 6h02m20s
